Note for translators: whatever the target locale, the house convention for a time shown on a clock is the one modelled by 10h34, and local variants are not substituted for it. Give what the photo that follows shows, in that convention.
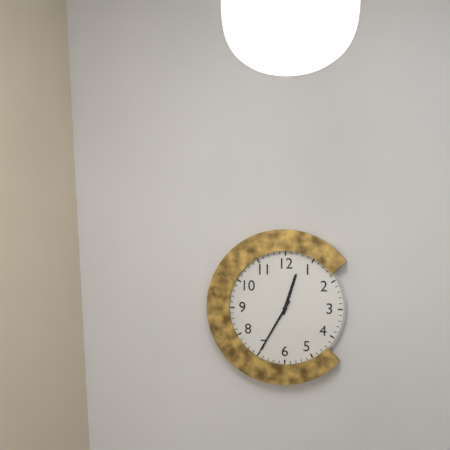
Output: 12h35
